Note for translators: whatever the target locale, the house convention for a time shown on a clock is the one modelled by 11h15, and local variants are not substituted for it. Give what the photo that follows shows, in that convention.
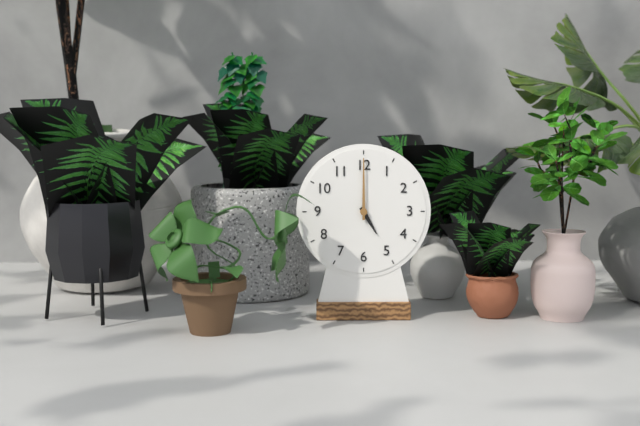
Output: 5h00
